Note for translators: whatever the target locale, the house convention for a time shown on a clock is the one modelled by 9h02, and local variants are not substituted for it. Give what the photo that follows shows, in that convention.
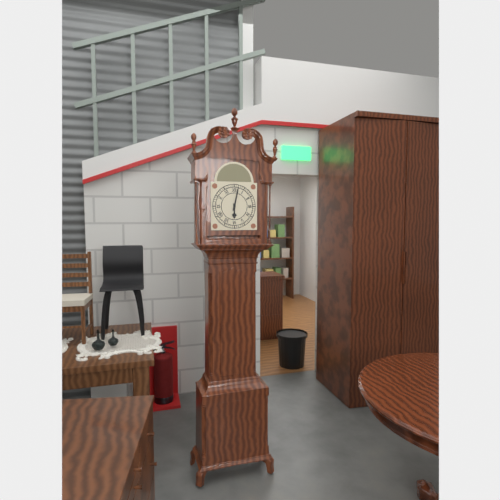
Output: 6h02
